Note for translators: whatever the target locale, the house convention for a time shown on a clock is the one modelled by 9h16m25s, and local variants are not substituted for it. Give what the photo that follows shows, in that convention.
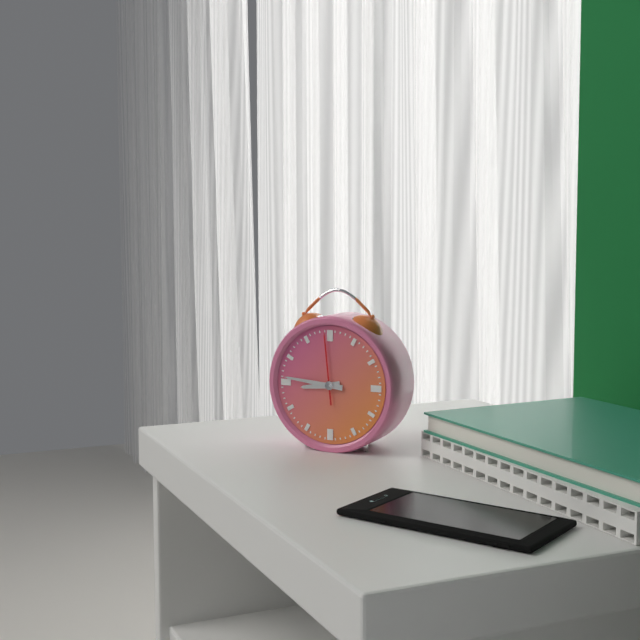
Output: 8h46m59s
